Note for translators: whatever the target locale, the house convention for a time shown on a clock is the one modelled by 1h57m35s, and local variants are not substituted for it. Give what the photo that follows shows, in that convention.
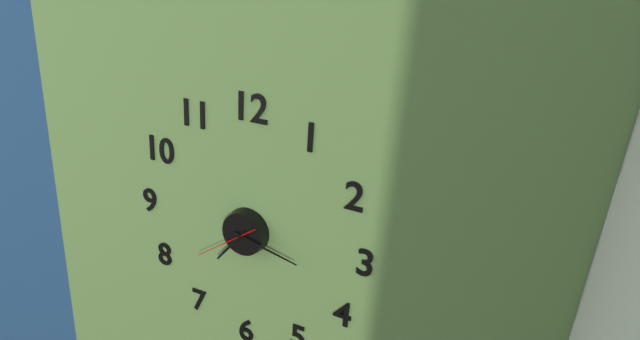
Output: 7h17m39s
